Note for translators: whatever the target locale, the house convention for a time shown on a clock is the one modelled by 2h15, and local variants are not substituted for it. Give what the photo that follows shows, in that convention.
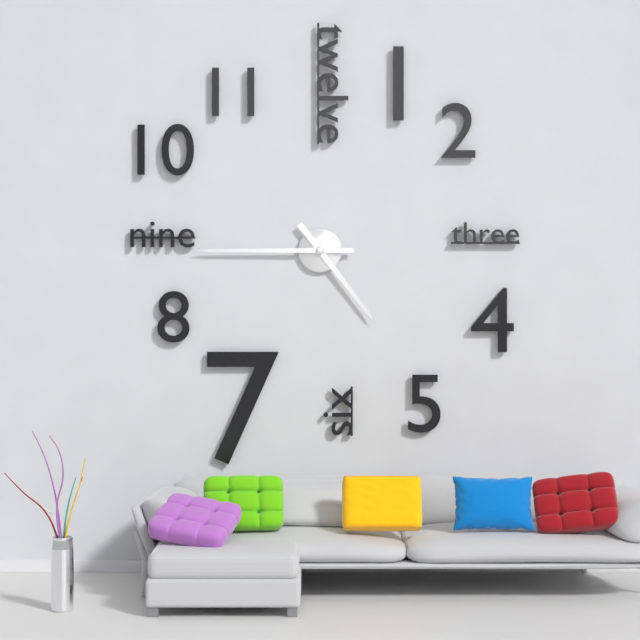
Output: 4h45
